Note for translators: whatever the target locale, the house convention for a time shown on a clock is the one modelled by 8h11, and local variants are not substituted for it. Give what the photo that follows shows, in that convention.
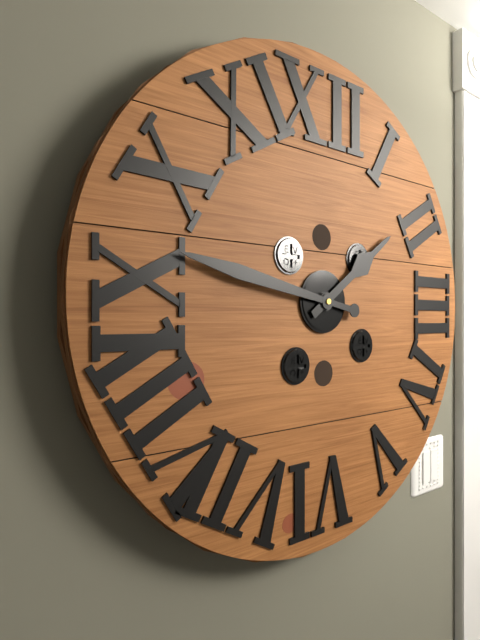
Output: 1h47
